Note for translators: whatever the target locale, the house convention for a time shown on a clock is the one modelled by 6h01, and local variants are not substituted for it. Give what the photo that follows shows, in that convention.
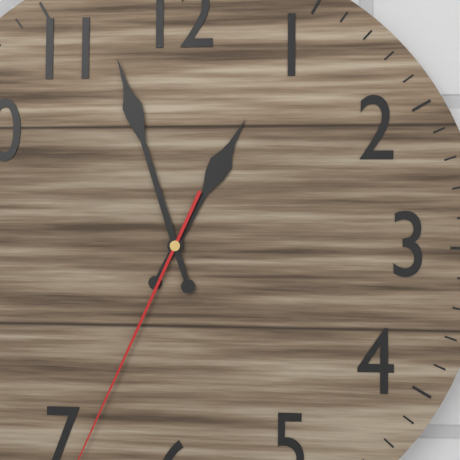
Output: 12h57
